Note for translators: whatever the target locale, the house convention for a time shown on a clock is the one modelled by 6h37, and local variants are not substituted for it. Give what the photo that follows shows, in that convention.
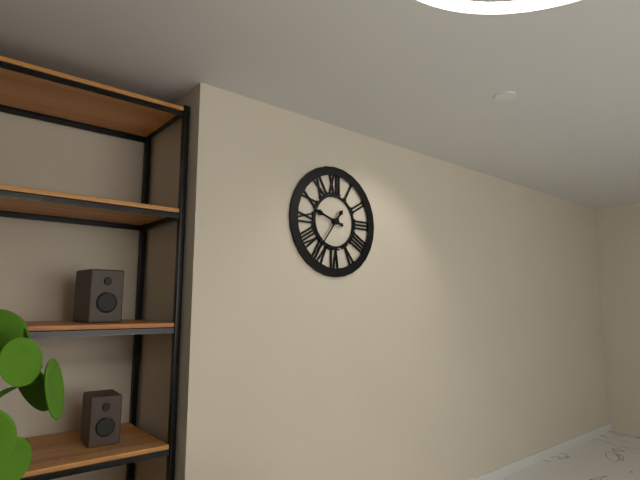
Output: 9h36
